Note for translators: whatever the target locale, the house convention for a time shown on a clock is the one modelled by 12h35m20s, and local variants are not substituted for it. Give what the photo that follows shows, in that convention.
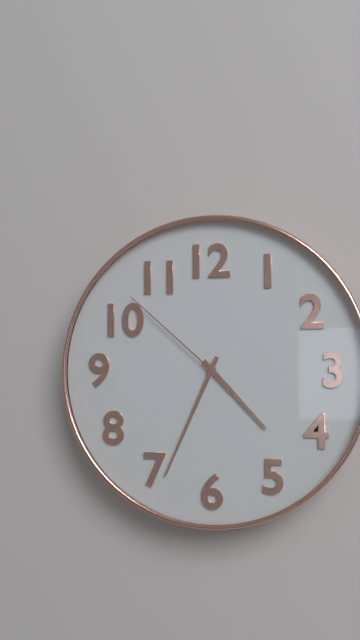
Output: 4h34m52s
